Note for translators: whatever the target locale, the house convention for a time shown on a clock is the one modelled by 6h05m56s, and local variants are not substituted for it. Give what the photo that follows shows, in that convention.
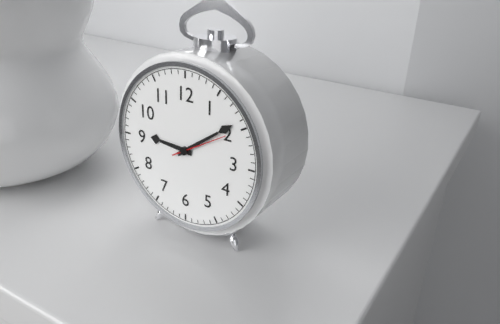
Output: 9h09m10s
